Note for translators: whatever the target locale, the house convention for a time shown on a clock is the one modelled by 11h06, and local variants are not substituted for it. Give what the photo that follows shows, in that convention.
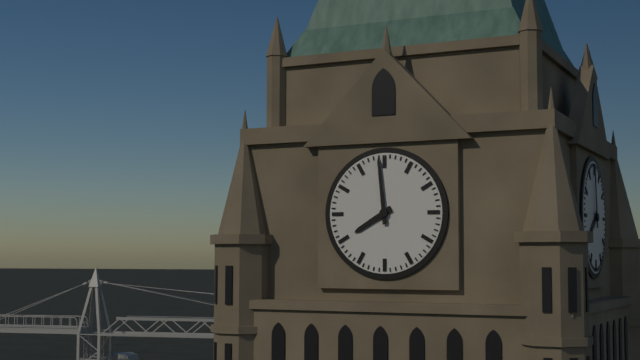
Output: 7h59
